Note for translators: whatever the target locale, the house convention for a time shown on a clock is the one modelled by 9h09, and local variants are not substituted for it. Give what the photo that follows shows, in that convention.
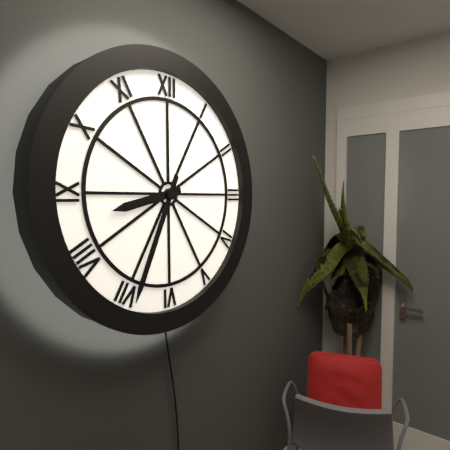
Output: 8h34
